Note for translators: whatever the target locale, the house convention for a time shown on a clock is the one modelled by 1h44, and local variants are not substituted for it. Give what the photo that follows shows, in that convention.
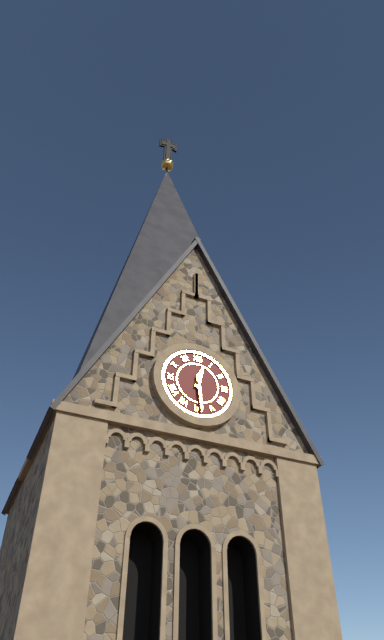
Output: 12h29
